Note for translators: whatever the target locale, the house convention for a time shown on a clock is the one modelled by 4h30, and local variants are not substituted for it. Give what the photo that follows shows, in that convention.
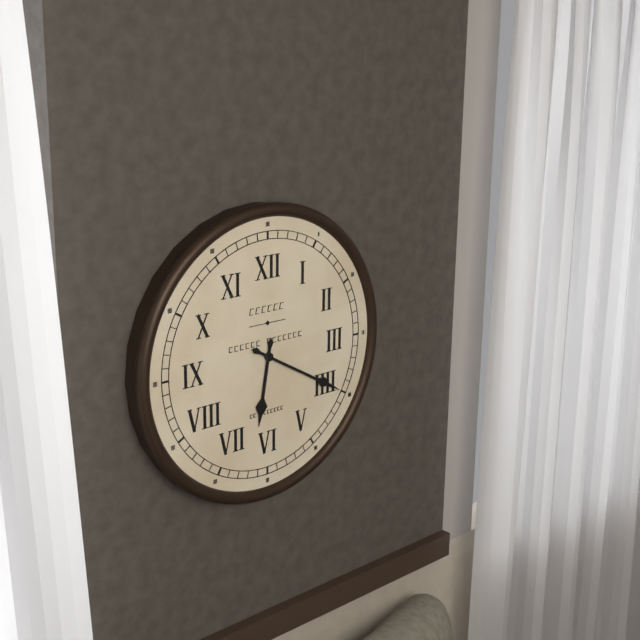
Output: 6h20
